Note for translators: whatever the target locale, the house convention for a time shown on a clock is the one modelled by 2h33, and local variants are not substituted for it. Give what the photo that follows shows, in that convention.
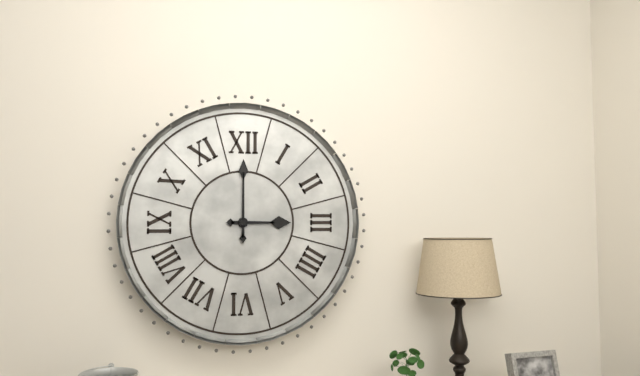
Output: 3h00
